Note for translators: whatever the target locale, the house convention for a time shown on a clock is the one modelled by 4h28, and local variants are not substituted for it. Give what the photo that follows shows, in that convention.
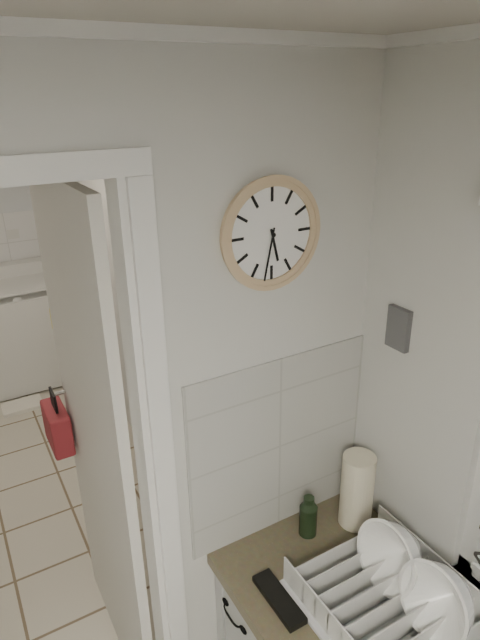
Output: 5h32
